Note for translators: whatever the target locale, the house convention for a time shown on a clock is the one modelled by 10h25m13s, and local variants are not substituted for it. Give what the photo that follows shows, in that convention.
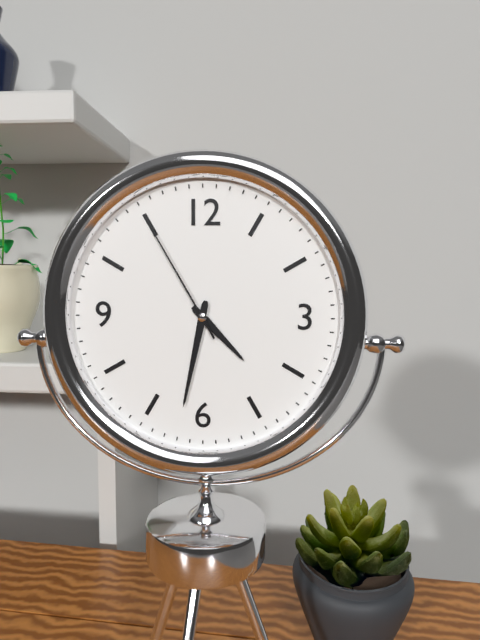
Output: 4h32m55s
